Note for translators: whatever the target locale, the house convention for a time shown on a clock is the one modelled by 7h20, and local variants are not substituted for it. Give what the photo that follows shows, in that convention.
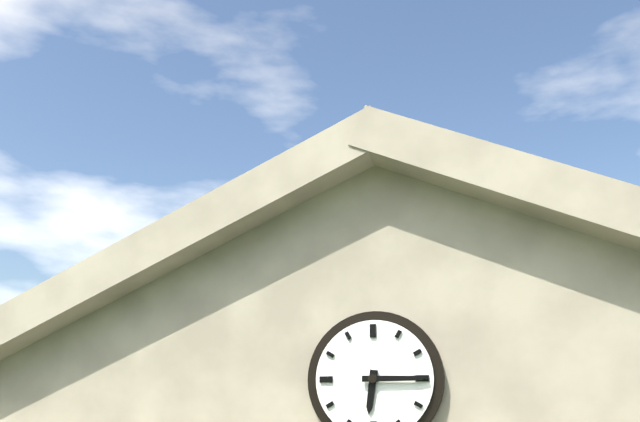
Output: 6h15
